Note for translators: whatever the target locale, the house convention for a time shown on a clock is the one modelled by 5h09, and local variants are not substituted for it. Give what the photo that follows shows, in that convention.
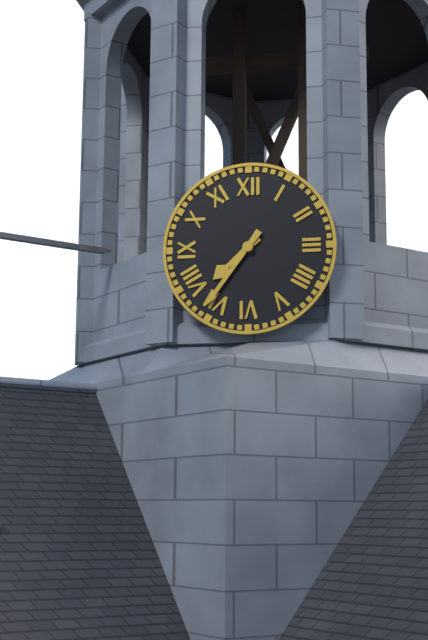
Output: 7h36
